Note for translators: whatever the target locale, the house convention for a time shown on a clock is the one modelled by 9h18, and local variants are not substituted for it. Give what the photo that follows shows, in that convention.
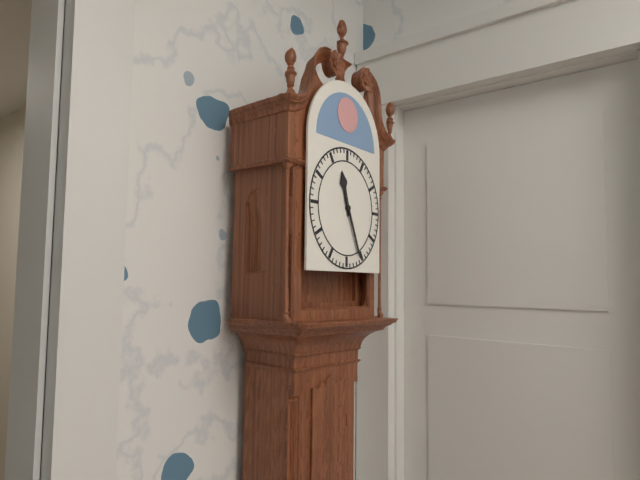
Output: 11h26
